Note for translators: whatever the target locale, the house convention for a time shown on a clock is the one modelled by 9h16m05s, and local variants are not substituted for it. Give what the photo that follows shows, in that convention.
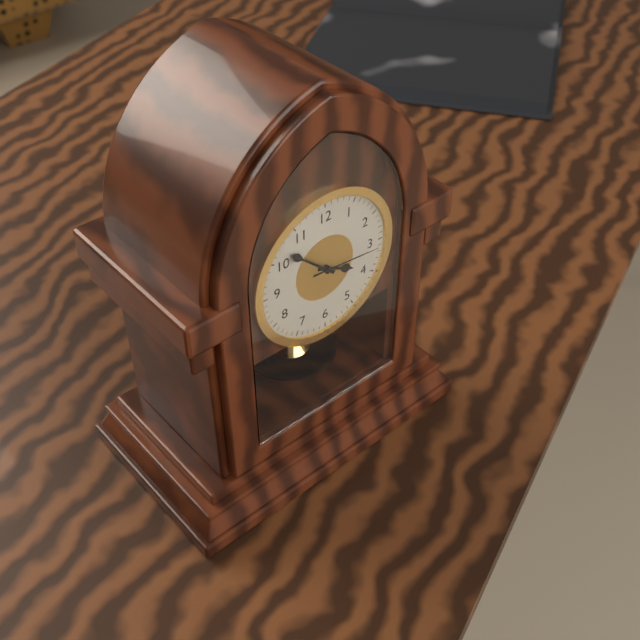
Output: 3h52m16s
